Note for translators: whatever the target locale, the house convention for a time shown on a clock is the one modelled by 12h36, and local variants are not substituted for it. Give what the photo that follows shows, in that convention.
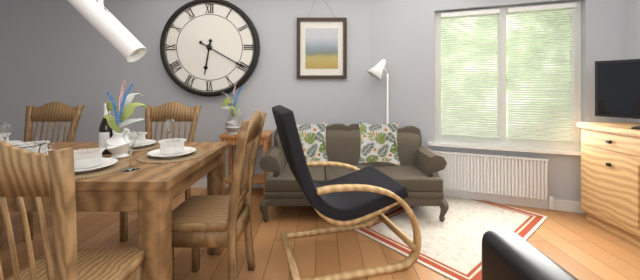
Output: 6h20
